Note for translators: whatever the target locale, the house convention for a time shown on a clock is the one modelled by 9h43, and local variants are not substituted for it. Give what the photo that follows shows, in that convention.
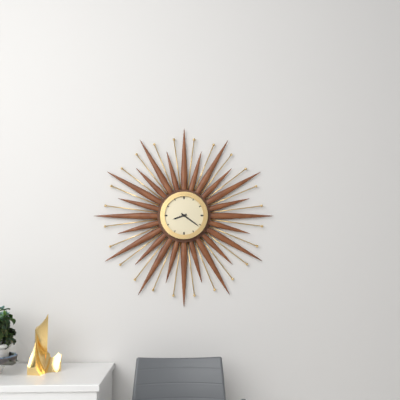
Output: 8h21
